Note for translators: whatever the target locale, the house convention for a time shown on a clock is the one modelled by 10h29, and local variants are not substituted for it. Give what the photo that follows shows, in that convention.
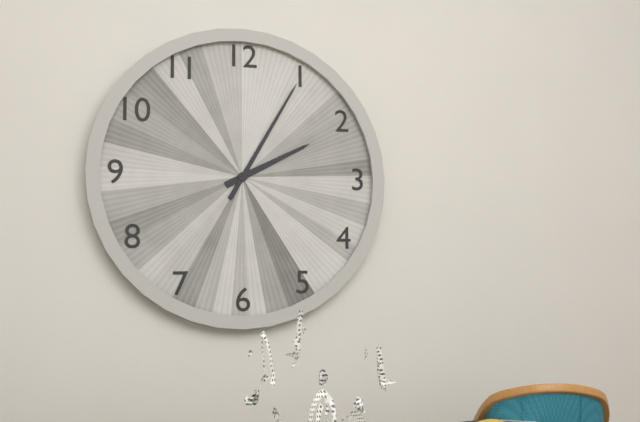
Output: 2h05
